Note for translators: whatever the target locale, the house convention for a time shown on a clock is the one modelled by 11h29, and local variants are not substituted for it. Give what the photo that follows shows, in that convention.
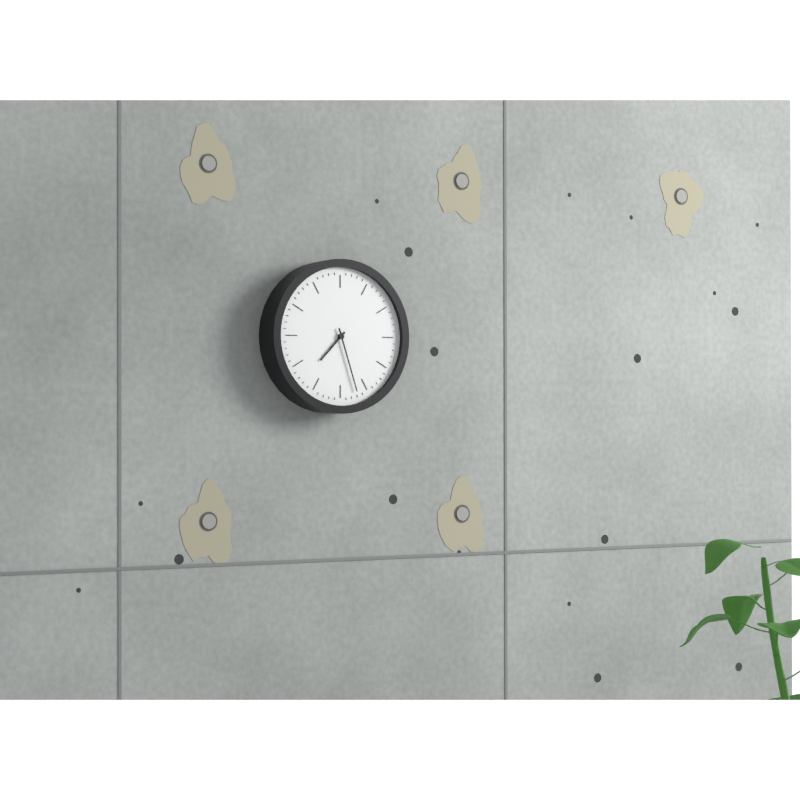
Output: 7h27
